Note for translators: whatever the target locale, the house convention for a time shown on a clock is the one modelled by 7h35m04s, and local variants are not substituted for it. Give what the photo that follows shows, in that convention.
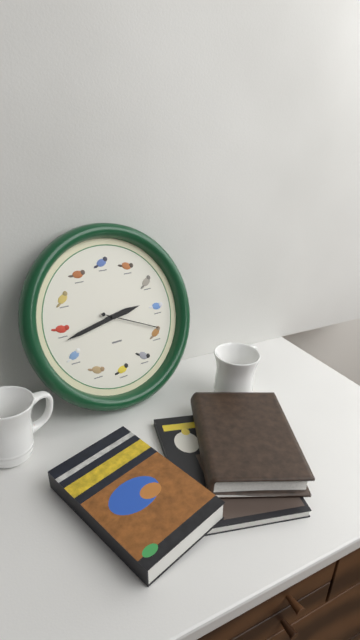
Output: 2h43m19s
